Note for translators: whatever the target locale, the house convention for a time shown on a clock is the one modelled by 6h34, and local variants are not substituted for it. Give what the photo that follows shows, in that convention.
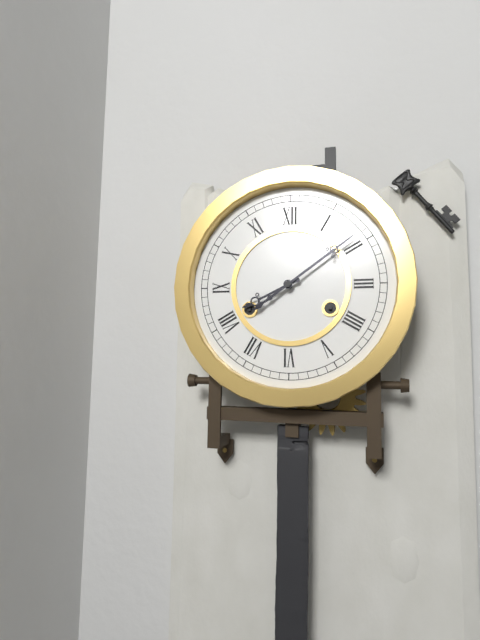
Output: 8h09
